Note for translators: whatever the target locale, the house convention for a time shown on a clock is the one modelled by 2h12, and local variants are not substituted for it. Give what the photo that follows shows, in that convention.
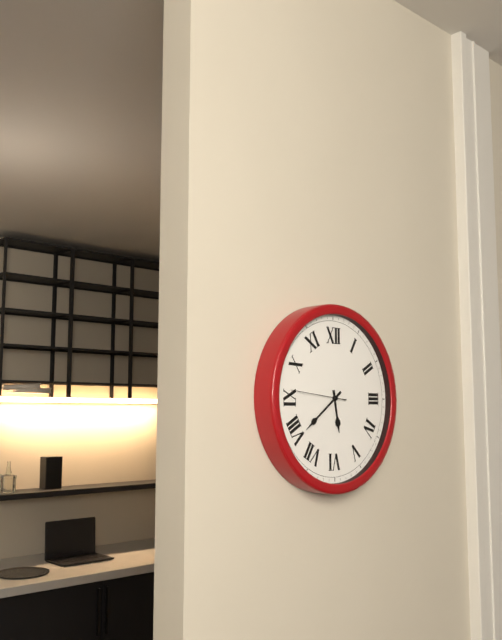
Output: 5h39
